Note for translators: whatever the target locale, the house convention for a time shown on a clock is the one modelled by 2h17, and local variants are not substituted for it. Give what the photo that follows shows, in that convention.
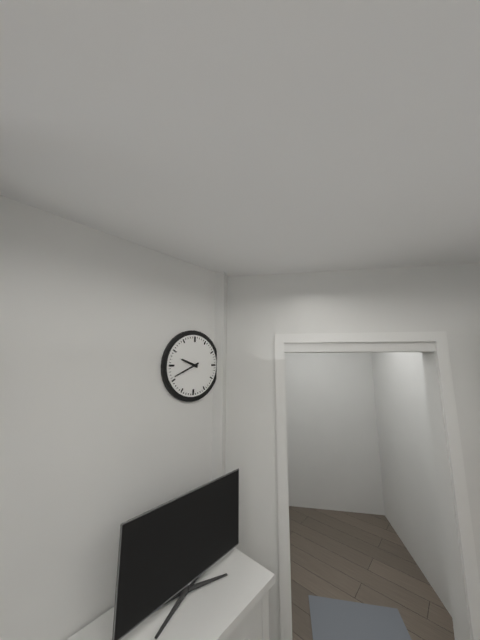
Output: 9h41
